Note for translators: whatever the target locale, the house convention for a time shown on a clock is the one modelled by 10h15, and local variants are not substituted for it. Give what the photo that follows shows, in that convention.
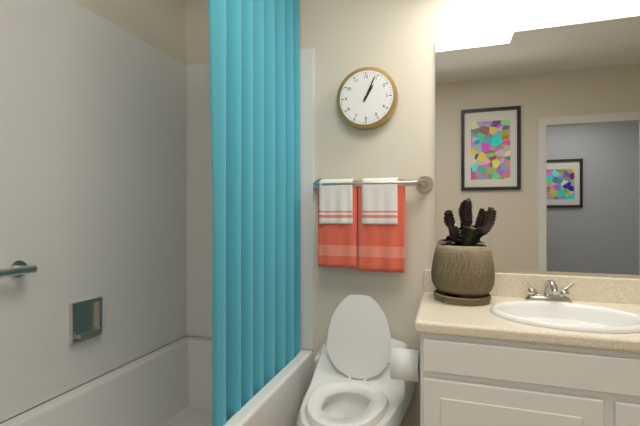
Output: 1h04
